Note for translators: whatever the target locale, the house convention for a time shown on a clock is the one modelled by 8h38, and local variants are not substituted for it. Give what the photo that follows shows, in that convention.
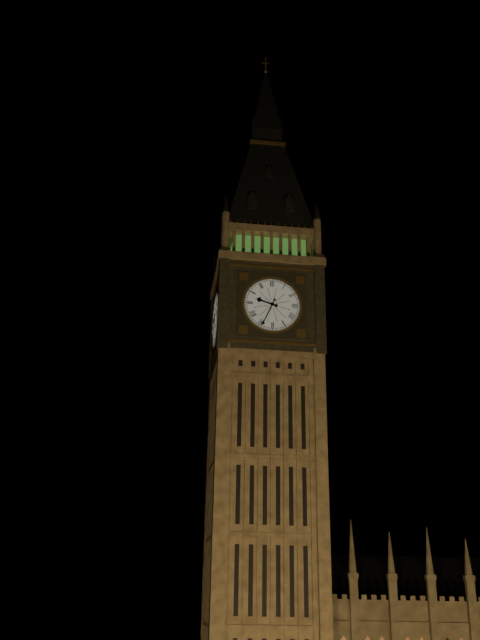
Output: 9h34
